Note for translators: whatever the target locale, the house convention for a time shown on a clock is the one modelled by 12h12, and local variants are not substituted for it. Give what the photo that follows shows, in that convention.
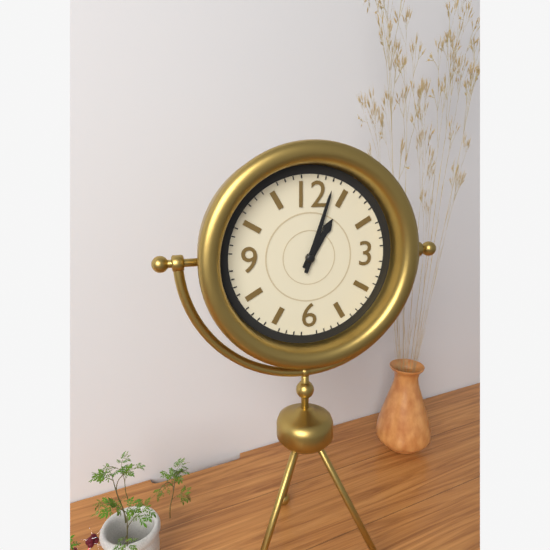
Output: 1h03
